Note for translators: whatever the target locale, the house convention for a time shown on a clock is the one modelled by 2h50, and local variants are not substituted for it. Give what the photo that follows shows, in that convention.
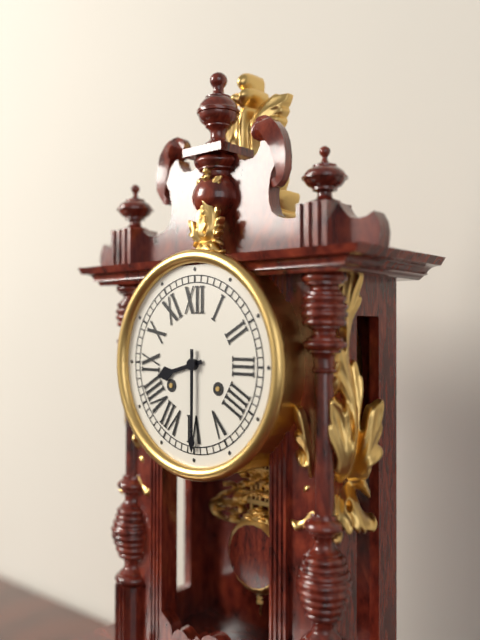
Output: 8h30
